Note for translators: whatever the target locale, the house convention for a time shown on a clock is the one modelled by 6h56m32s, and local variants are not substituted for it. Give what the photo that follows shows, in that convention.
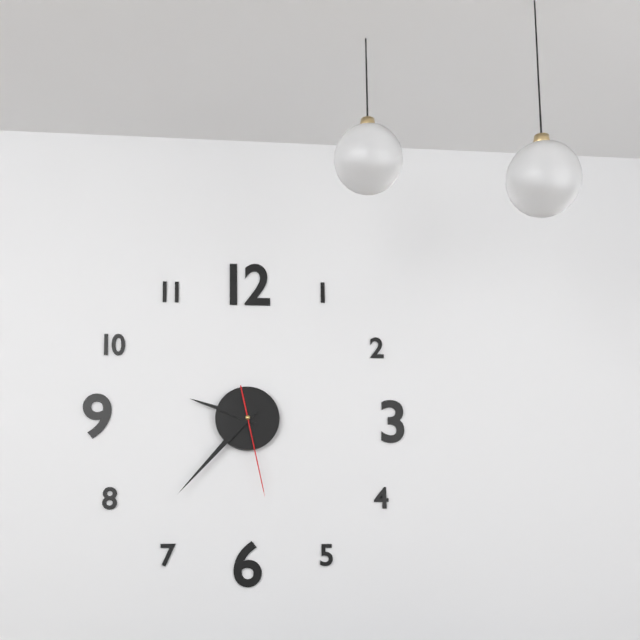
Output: 9h37m28s
